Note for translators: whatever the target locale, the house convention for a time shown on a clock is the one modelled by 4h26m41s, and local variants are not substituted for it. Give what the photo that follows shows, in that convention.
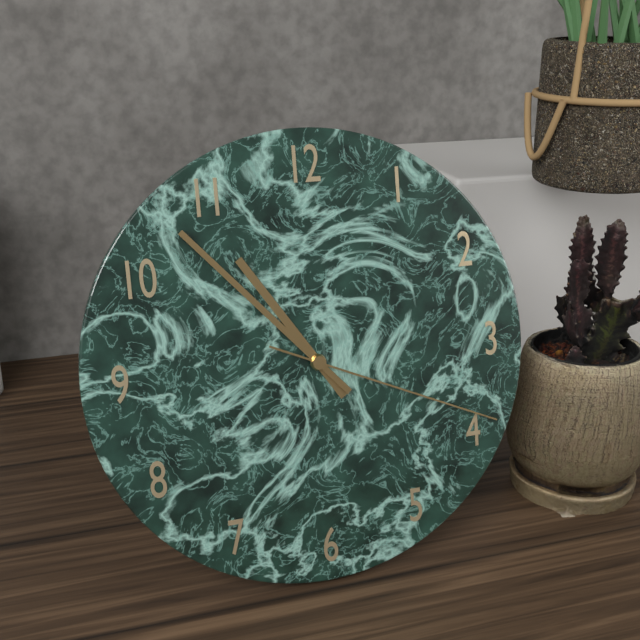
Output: 10h53m19s
